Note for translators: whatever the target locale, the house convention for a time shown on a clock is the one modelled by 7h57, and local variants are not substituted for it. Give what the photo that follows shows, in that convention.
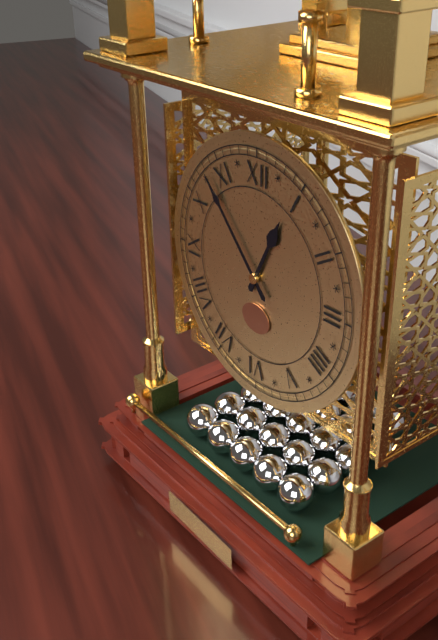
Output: 12h53
